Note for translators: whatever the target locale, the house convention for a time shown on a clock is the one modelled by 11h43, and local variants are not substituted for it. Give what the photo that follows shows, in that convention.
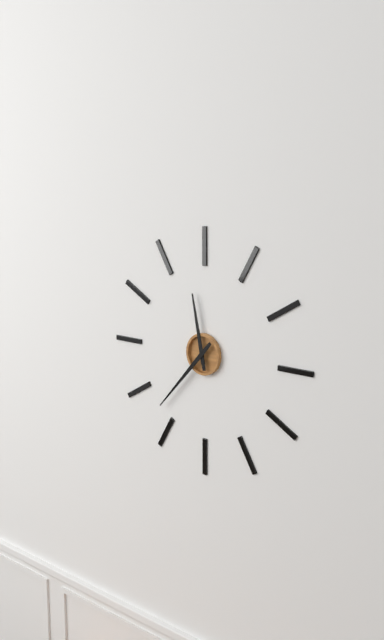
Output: 11h37
